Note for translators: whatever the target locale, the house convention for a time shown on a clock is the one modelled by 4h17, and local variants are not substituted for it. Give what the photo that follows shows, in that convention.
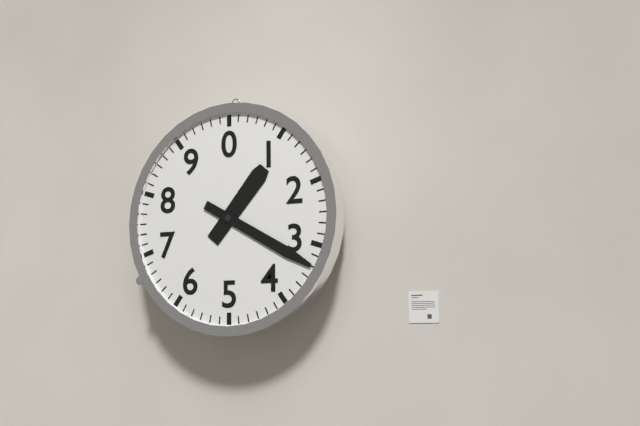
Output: 1h20
